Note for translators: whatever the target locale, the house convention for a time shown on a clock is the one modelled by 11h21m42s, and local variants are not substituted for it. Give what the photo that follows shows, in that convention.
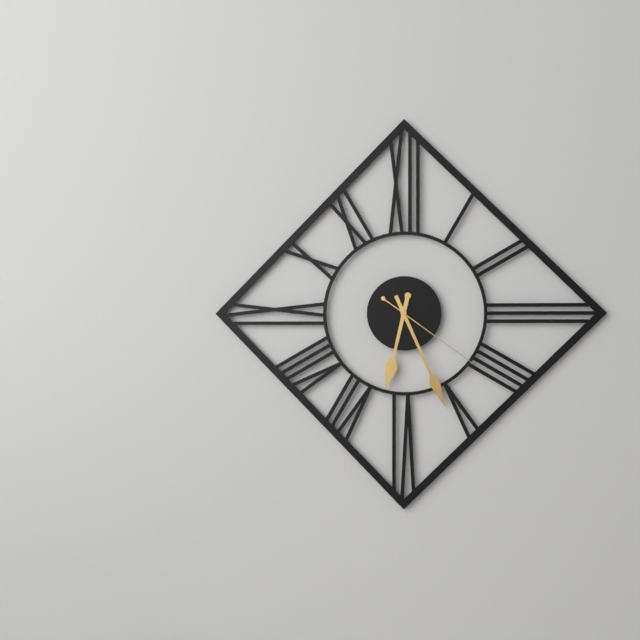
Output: 6h26m21s
